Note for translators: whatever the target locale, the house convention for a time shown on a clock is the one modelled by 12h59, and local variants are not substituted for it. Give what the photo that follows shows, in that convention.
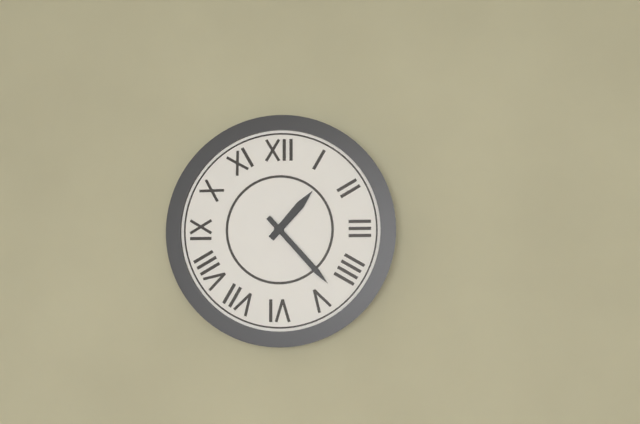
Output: 1h23
